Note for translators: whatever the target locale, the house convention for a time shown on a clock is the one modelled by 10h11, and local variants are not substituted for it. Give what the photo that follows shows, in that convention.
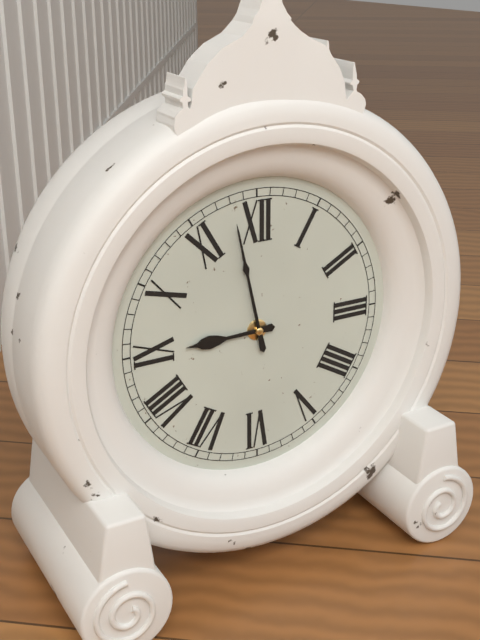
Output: 8h58
